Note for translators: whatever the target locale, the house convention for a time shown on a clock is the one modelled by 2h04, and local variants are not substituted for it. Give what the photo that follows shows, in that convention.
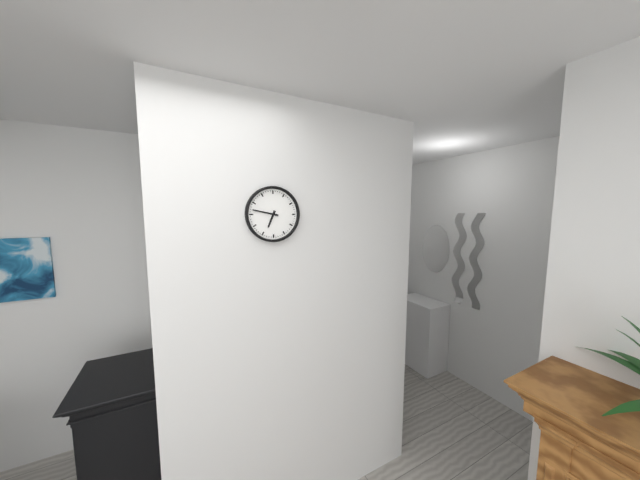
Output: 6h47
